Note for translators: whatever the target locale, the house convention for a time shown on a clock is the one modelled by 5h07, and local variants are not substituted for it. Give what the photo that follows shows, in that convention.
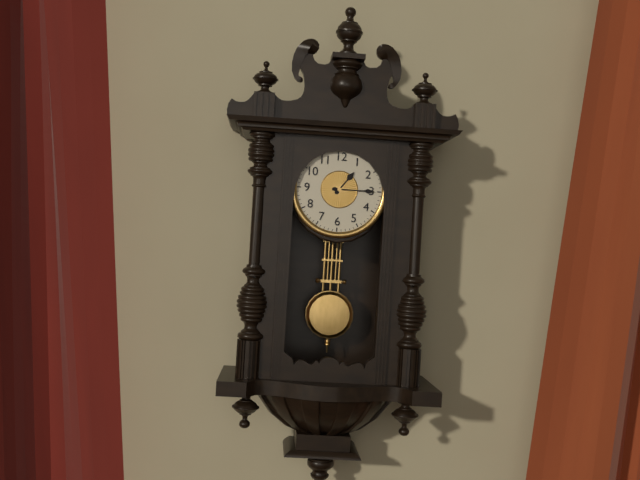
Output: 1h15
